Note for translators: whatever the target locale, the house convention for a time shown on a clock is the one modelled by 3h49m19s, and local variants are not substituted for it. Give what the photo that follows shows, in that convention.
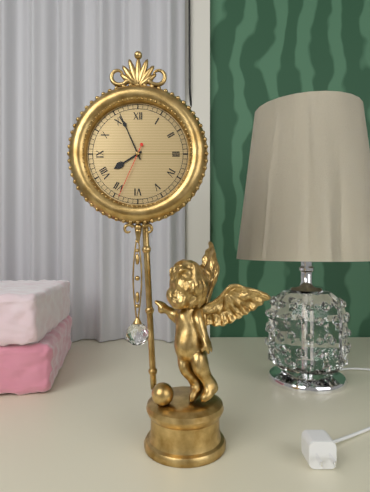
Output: 7h56m34s
